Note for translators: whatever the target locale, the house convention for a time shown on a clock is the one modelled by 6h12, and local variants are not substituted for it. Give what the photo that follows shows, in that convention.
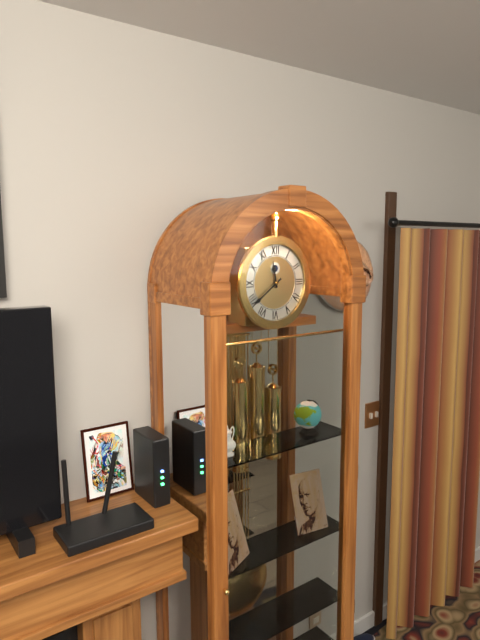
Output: 11h39
